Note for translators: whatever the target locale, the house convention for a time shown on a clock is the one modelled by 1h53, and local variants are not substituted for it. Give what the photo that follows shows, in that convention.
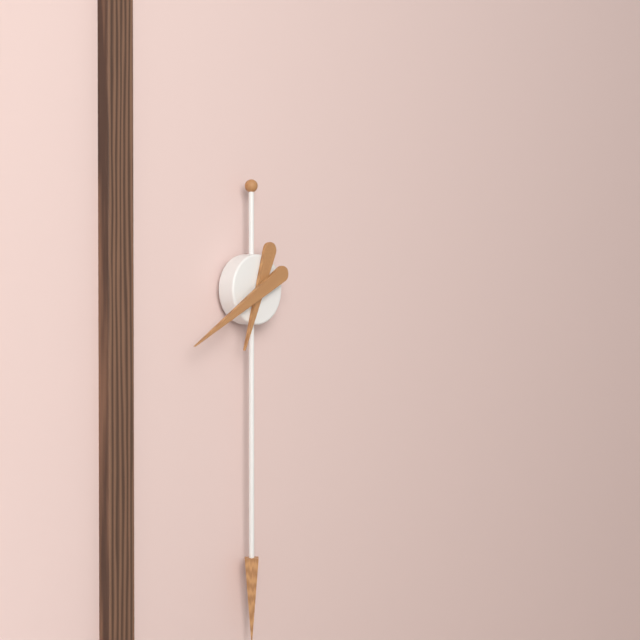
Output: 6h40
